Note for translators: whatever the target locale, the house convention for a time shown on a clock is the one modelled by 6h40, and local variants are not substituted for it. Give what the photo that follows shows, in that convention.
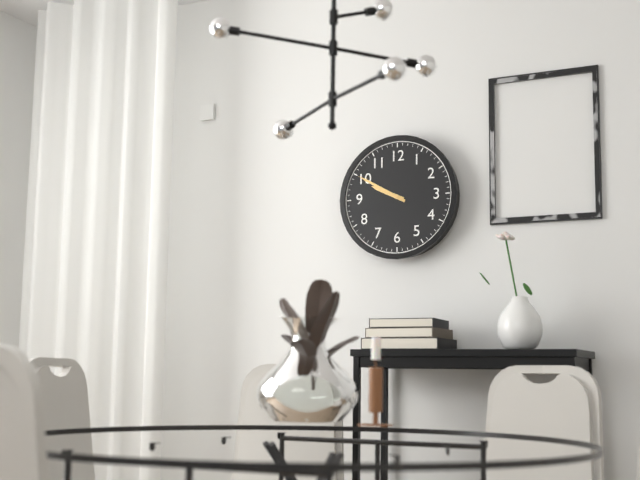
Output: 9h50
